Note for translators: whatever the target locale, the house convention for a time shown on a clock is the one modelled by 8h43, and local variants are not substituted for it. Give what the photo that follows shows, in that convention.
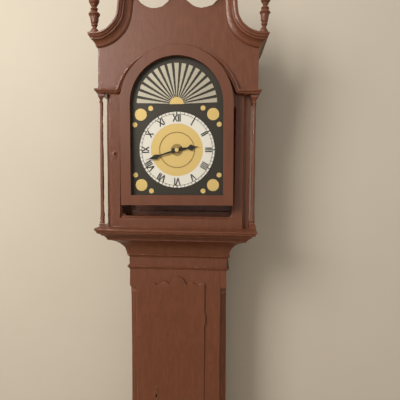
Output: 2h42
